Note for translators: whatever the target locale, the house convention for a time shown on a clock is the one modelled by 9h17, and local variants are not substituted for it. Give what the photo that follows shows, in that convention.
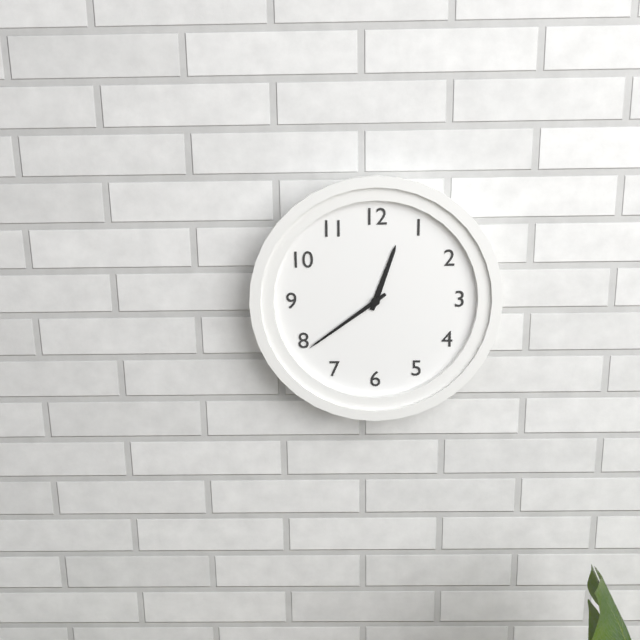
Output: 12h39
